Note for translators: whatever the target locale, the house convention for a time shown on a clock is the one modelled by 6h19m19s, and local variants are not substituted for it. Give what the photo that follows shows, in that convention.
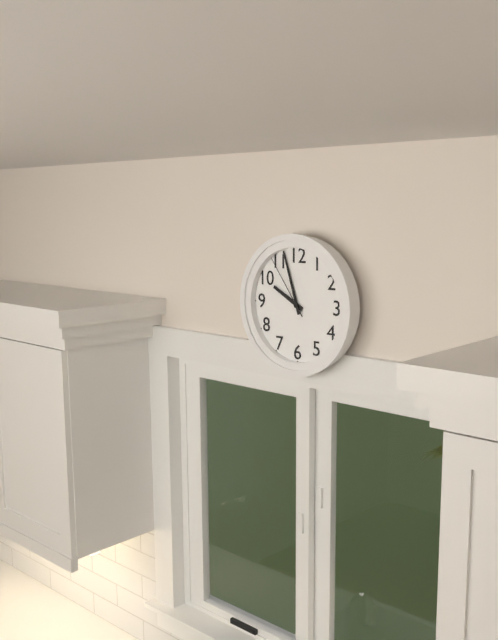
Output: 9h57m54s
